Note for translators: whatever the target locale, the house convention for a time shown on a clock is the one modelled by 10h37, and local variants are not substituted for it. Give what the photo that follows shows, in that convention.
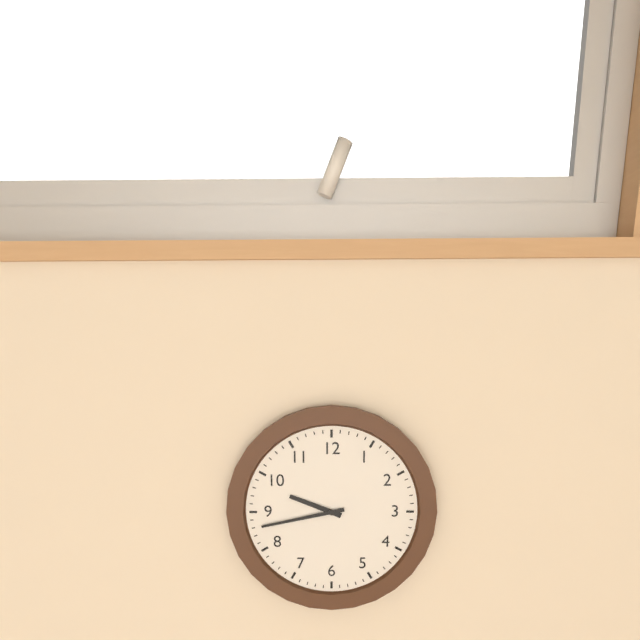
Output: 9h43
